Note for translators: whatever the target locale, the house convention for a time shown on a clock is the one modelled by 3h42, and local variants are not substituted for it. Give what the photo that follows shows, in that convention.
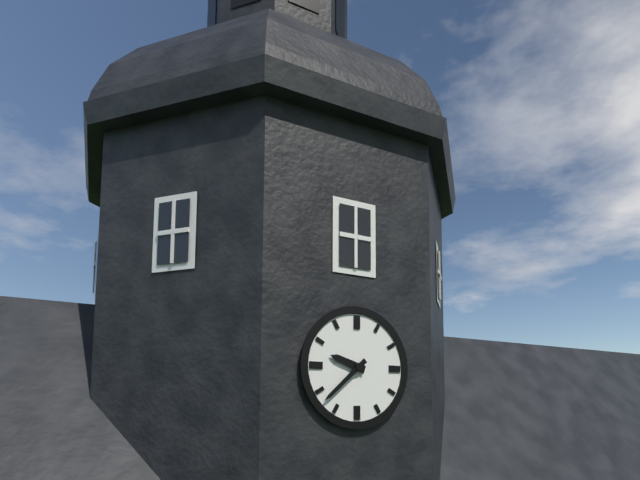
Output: 9h38
